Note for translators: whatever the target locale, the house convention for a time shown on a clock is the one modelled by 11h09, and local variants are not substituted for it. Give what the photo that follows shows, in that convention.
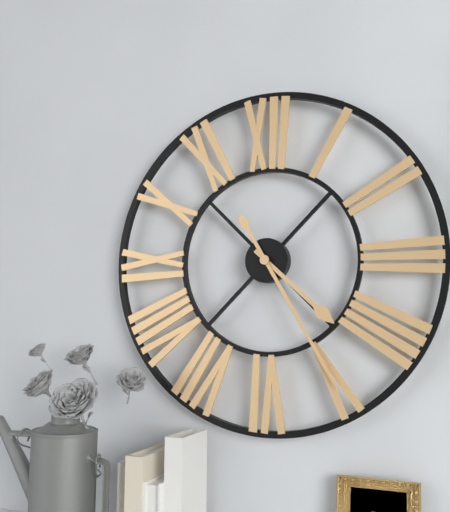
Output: 4h25
